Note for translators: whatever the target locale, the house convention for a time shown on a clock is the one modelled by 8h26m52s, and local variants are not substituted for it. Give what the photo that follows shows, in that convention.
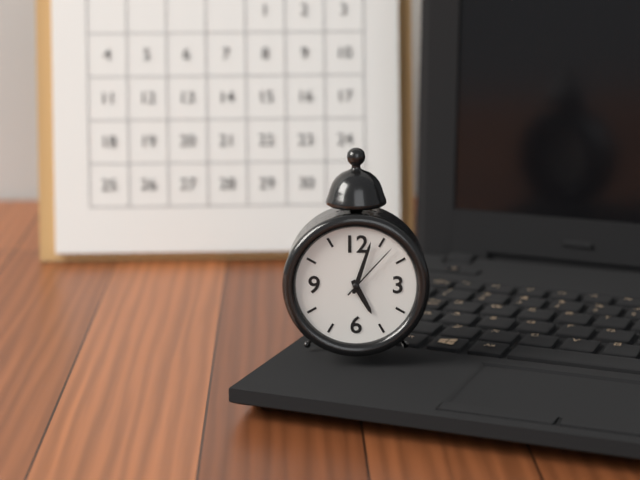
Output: 5h03m07s
